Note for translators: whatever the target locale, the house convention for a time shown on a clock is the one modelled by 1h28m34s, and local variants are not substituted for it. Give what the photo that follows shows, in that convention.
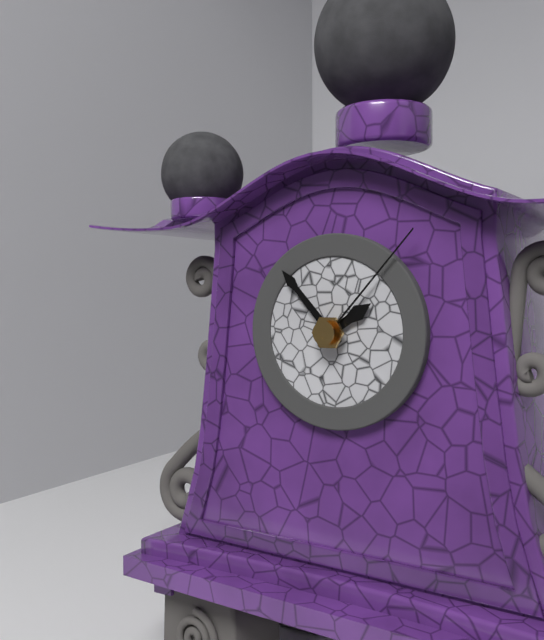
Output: 1h53m07s
